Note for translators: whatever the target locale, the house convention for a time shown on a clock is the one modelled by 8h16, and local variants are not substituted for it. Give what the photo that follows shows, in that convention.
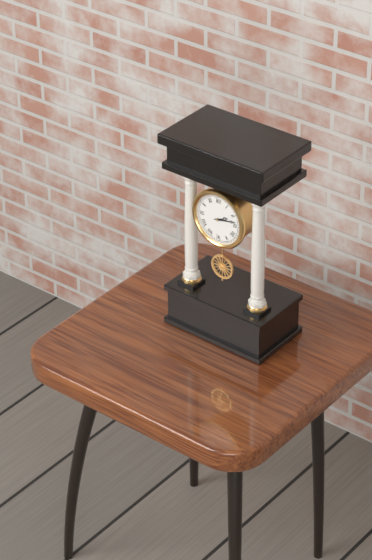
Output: 2h13
